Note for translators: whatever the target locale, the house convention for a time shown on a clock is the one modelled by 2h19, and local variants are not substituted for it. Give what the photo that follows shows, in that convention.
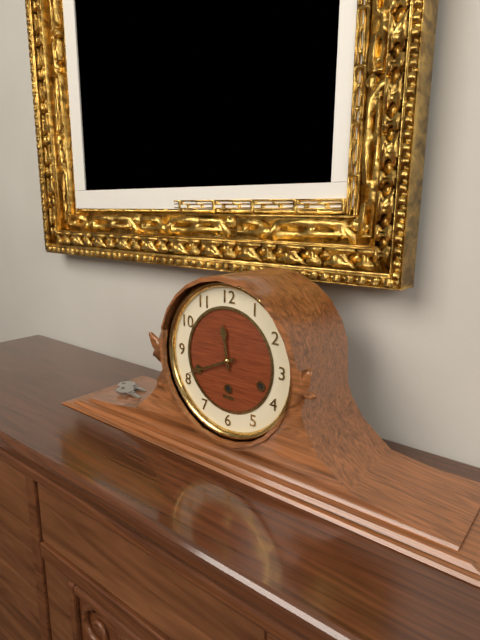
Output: 11h41
